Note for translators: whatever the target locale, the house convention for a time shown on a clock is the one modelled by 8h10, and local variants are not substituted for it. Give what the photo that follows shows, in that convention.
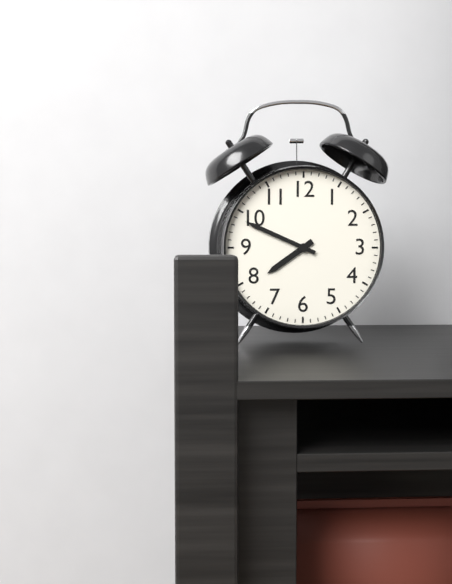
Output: 7h49
